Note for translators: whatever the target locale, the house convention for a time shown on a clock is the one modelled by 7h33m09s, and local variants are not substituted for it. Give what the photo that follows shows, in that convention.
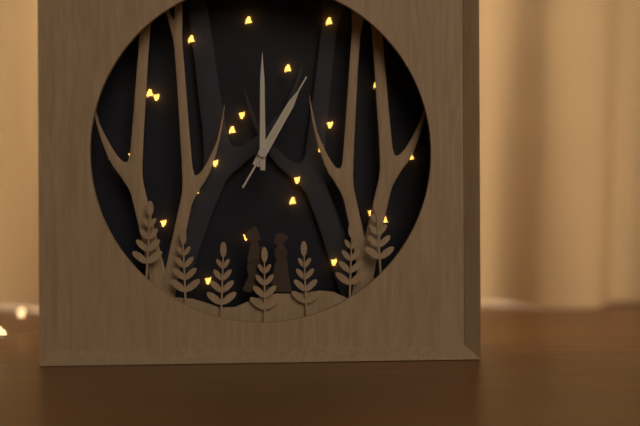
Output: 1h00m05s
